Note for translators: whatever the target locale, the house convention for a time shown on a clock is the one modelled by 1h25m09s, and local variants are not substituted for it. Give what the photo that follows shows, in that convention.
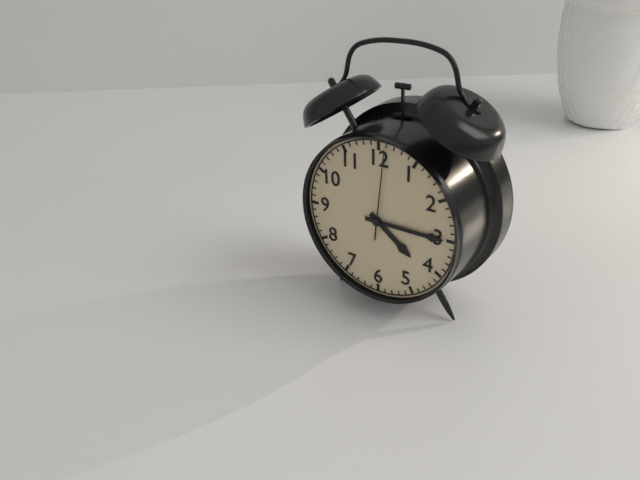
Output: 4h15m01s
